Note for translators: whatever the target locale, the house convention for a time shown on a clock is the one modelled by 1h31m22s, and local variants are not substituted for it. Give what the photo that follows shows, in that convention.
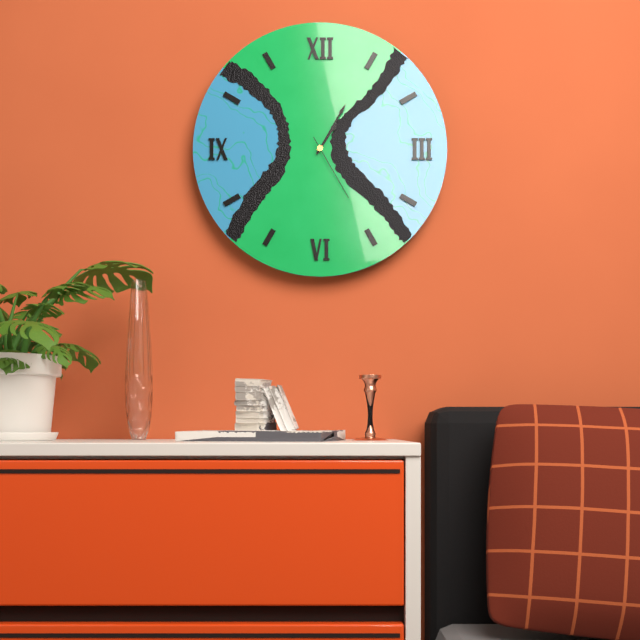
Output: 1h05m25s
